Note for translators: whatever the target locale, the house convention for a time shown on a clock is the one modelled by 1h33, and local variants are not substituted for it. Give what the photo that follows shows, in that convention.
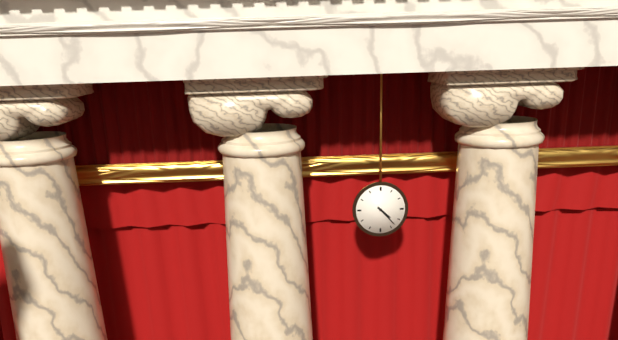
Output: 4h23
